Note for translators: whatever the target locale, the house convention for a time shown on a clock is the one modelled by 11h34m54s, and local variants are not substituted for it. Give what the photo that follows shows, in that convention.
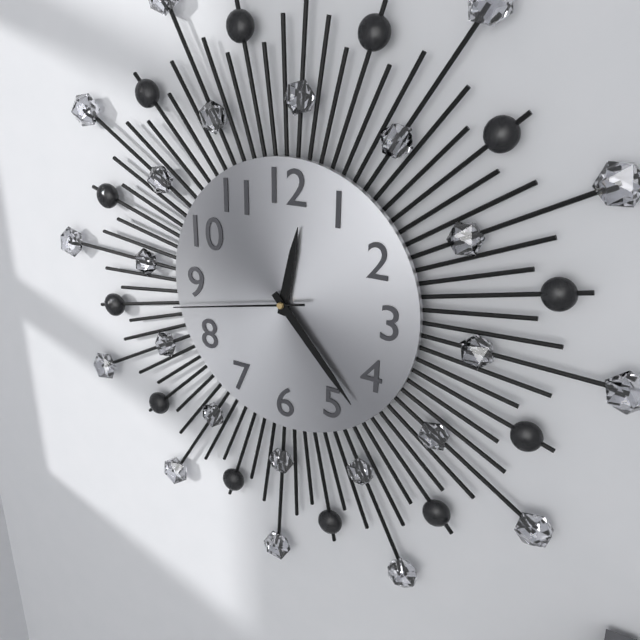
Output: 12h23m43s
